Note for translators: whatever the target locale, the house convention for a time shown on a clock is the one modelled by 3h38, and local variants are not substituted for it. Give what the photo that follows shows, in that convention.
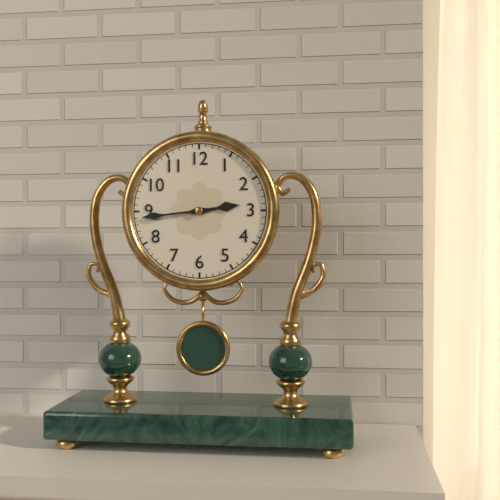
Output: 2h44
